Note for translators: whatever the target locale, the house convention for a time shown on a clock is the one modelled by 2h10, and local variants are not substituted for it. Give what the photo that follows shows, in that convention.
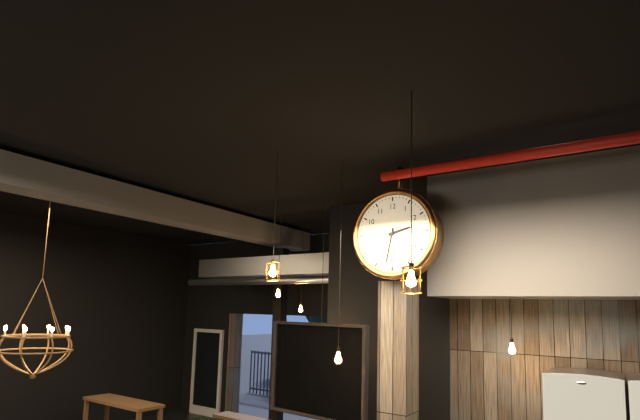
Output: 2h32
